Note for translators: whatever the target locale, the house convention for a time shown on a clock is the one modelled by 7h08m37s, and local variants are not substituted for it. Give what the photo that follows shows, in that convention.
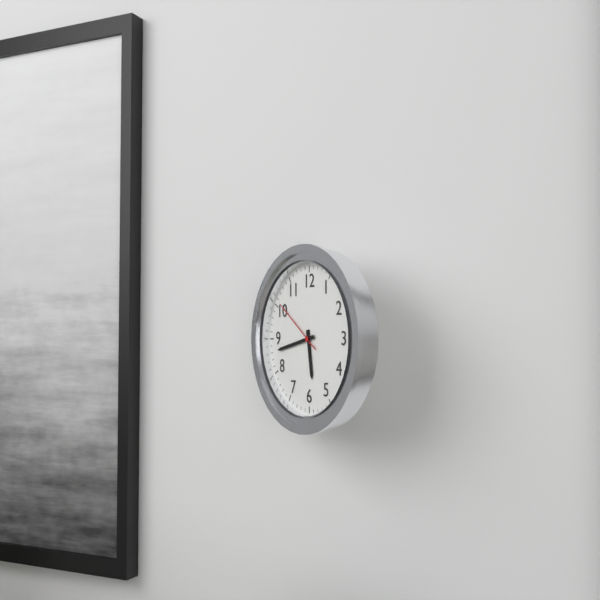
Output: 5h43m51s
